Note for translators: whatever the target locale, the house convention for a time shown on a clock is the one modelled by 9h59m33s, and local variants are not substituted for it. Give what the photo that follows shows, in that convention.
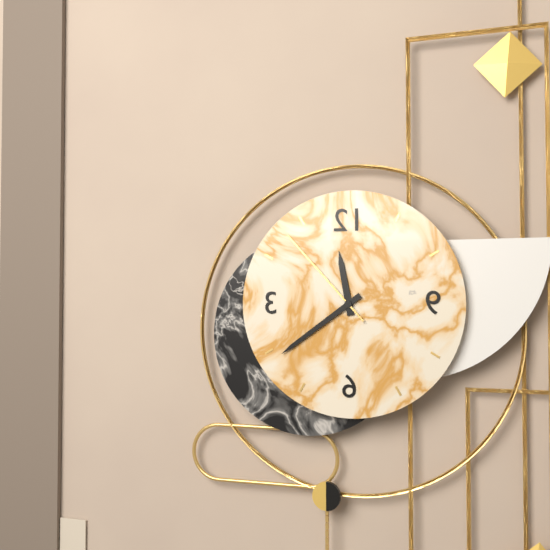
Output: 11h39m53s
